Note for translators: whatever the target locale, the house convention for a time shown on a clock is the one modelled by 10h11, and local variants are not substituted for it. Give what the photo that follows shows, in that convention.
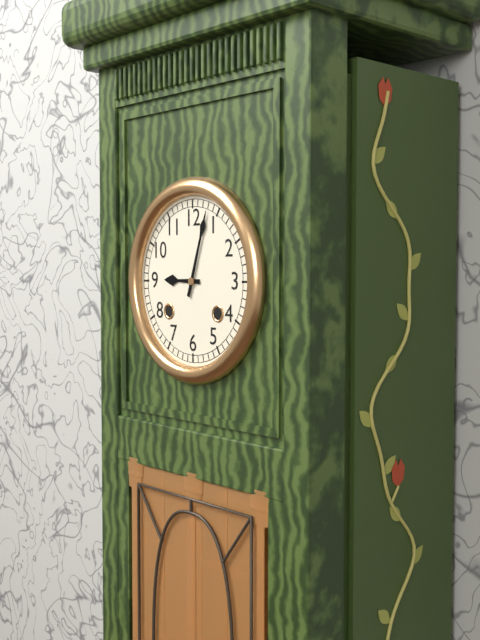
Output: 9h03
